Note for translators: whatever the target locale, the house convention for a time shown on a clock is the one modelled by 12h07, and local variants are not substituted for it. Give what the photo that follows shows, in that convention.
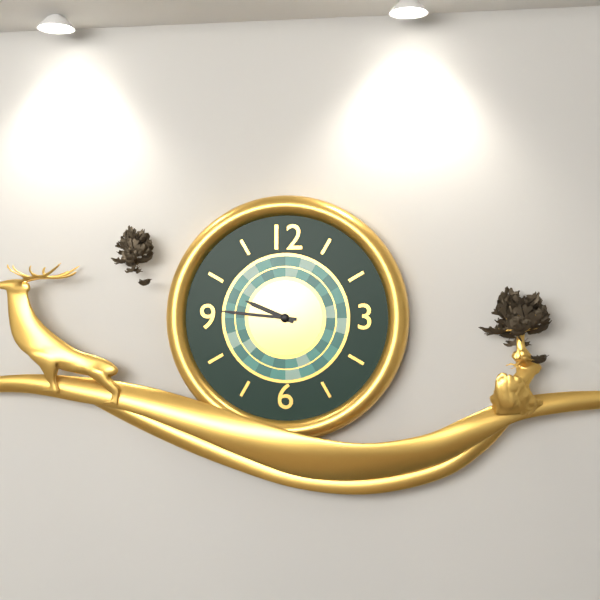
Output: 9h46
